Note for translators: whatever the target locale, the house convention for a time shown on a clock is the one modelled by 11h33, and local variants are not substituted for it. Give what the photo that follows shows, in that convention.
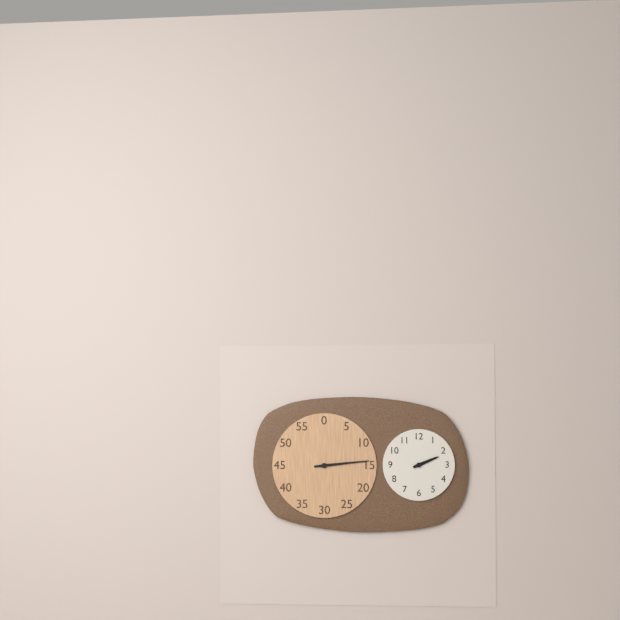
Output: 2h14
